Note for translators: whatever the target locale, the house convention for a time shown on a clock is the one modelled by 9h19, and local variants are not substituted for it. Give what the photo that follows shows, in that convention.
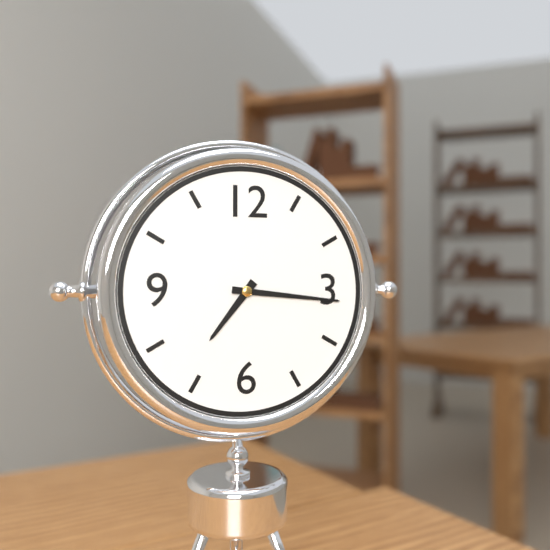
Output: 7h16
